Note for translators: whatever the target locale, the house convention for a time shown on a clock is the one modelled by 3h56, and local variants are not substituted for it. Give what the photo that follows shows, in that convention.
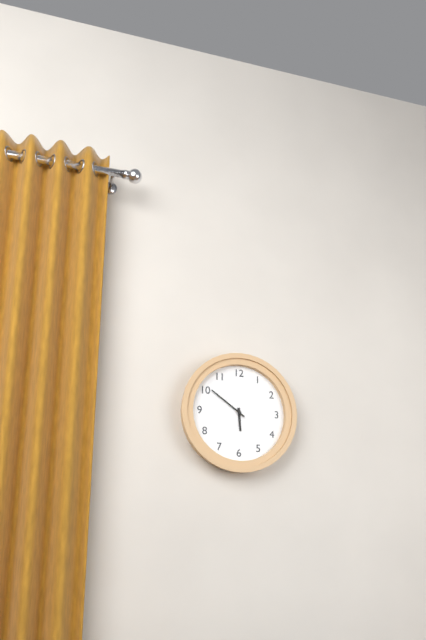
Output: 5h51
